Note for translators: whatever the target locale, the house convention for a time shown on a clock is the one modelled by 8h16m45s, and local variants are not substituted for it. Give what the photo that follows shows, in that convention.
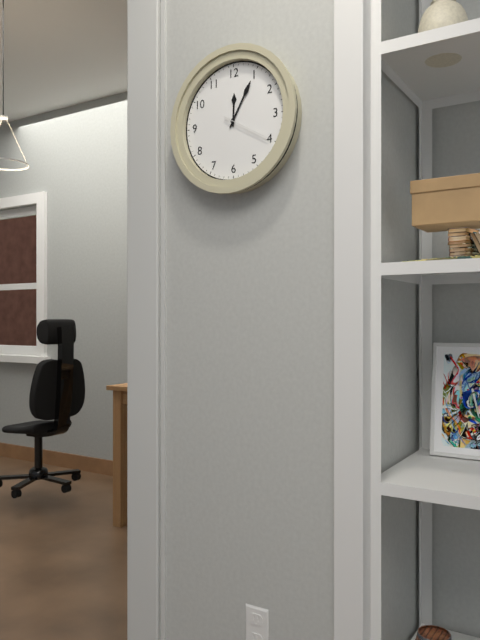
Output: 12h05m20s
